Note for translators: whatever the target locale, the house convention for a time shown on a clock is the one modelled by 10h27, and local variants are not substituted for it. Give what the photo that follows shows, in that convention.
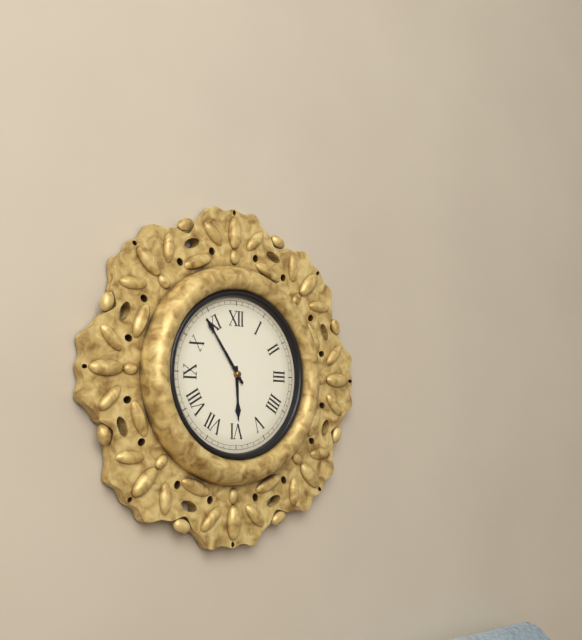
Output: 5h54
